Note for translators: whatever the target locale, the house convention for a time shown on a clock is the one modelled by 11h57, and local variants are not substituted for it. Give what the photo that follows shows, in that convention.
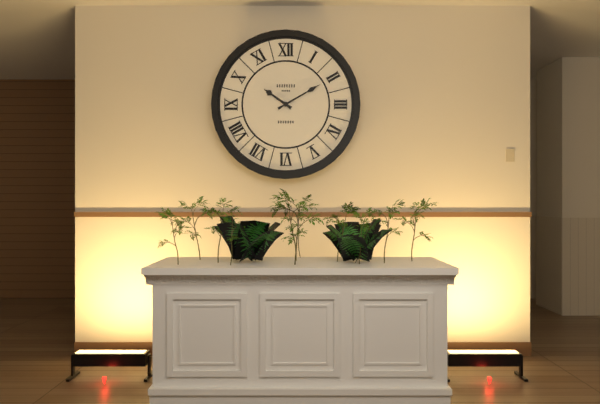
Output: 10h10
